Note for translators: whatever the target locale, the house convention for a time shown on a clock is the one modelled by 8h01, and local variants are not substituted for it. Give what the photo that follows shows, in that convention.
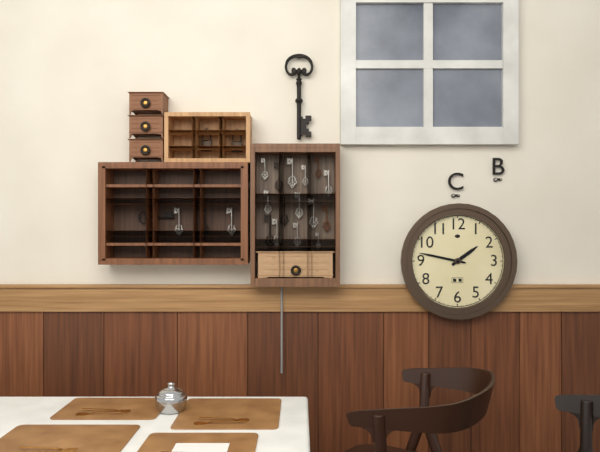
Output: 1h47
